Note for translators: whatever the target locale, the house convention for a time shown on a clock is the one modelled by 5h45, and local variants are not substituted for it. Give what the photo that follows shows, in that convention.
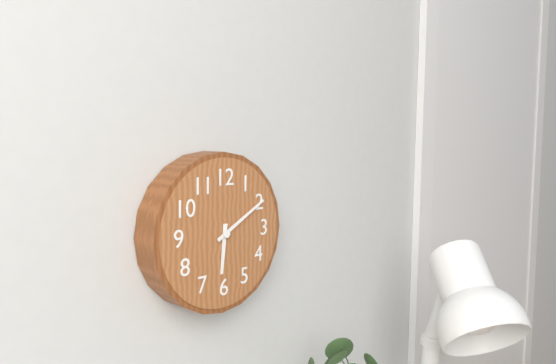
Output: 6h10
